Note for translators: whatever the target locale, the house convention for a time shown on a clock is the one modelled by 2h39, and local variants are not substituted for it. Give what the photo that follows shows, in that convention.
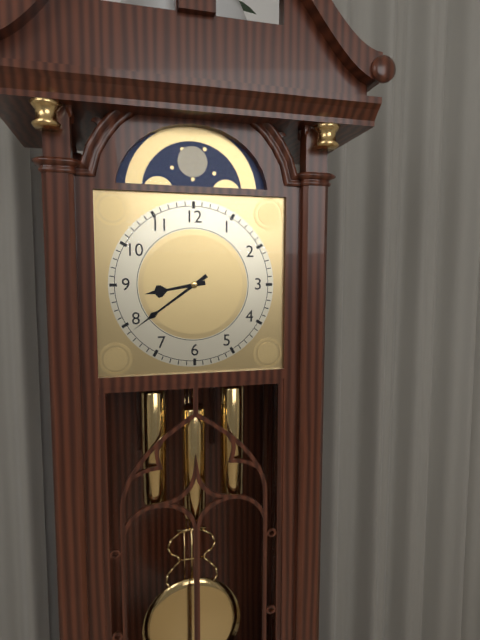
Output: 8h39
